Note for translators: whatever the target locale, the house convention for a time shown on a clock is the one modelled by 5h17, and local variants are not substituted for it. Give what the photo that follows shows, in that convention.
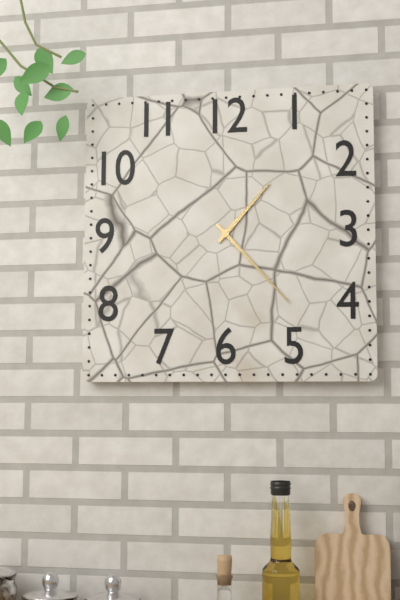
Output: 1h23
